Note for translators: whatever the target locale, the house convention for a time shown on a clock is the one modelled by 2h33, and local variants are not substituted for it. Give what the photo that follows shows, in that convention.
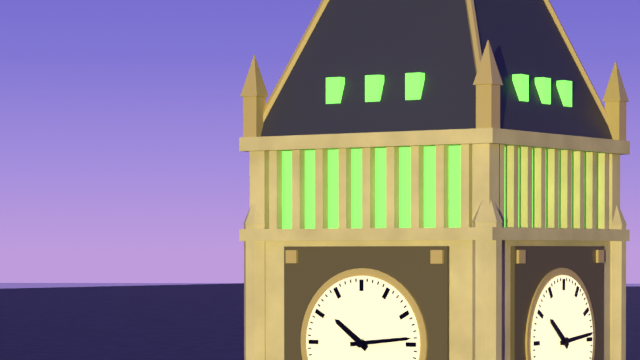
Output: 10h14
